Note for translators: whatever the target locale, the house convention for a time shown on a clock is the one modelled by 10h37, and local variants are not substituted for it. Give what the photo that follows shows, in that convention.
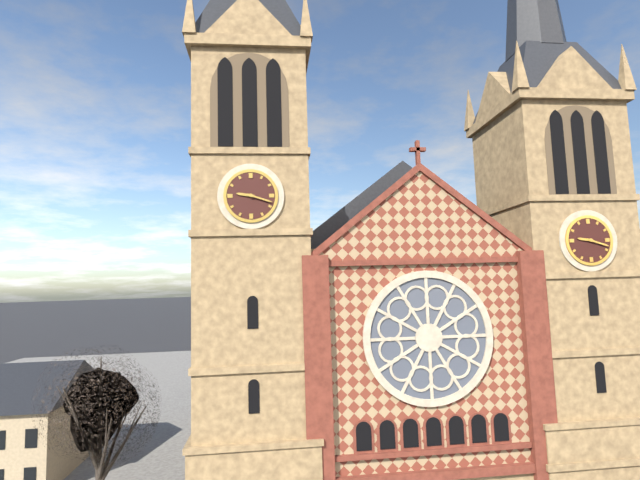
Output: 9h18
